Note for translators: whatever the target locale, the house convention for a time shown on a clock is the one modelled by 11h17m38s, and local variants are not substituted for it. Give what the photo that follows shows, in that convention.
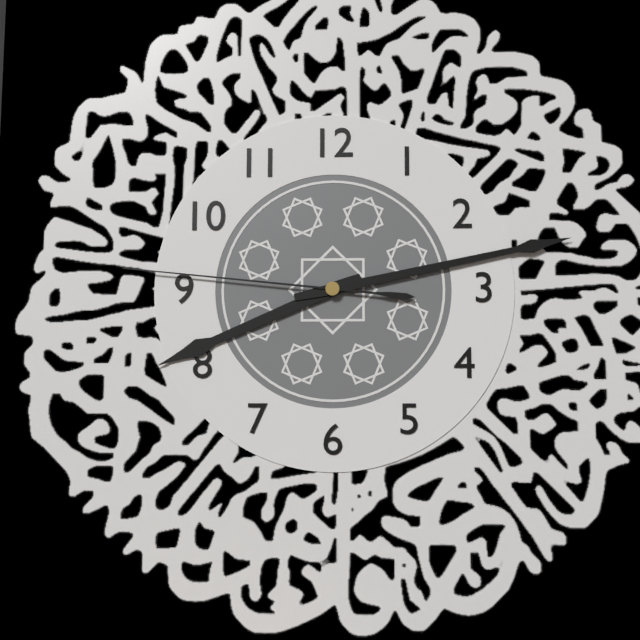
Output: 8h13m46s
